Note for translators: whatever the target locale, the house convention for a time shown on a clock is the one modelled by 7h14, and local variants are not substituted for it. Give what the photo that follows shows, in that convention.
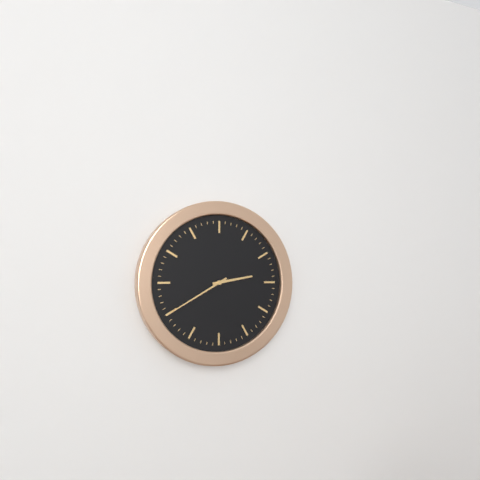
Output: 2h40
